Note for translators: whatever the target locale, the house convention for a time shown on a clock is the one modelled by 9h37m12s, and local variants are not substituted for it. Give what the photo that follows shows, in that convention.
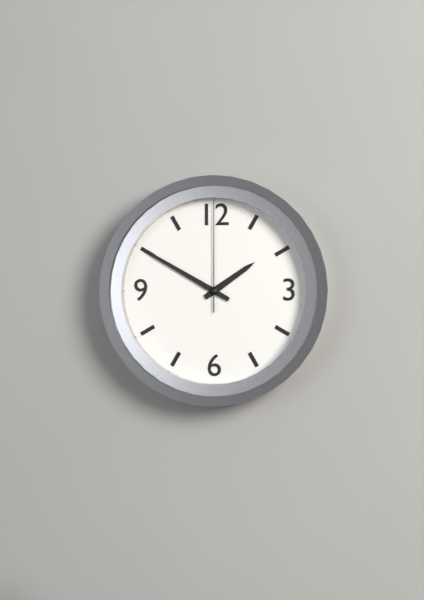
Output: 1h50m00s
